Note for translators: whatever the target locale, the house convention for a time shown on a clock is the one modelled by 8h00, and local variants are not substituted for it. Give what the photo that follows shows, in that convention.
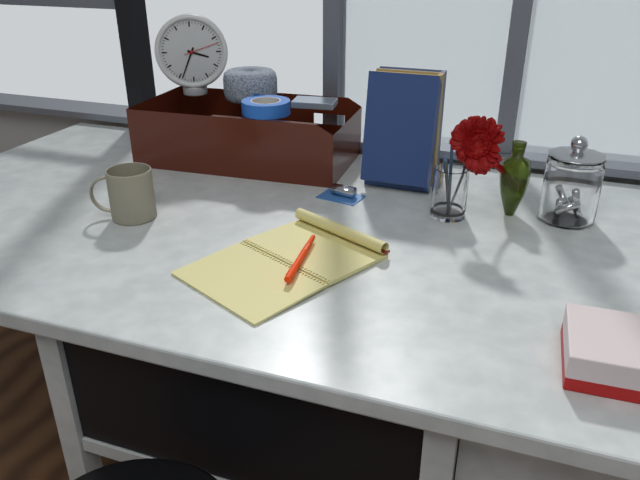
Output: 3h34
